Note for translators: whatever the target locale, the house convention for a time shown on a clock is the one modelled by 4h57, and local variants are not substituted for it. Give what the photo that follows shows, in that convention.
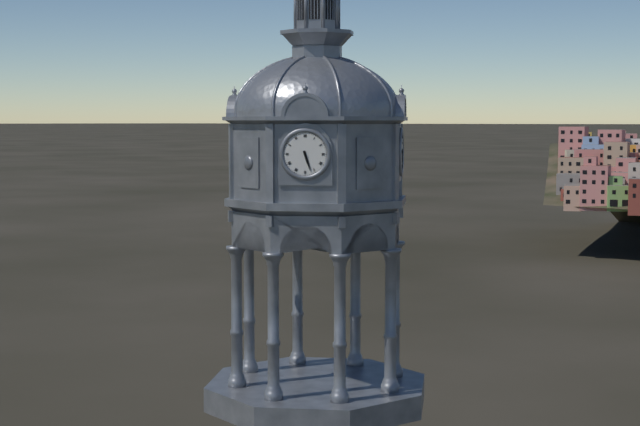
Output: 5h27
